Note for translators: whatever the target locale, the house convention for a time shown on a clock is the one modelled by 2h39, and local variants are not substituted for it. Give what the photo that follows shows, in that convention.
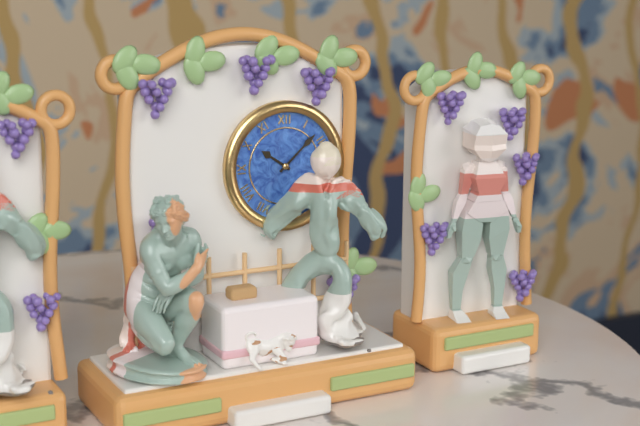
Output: 10h08
